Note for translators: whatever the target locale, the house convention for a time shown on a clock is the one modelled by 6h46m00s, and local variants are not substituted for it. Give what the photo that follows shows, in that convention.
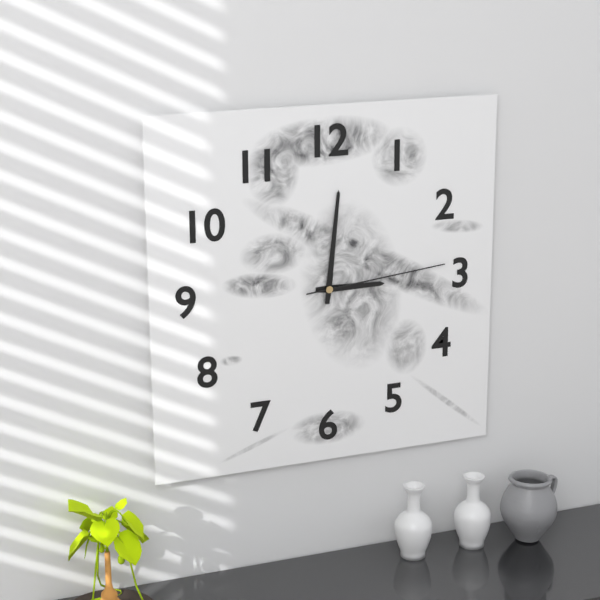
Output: 3h01m14s
